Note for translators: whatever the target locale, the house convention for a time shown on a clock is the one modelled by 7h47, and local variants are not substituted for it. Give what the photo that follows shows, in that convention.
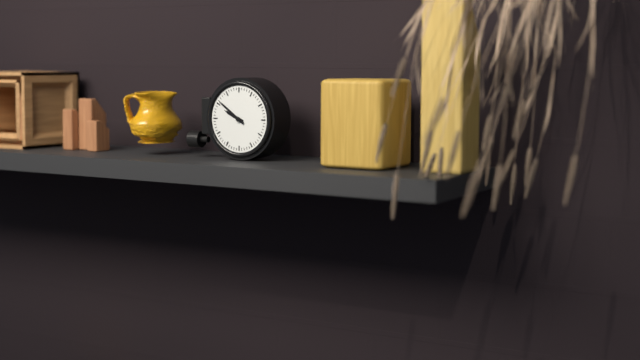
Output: 9h51
